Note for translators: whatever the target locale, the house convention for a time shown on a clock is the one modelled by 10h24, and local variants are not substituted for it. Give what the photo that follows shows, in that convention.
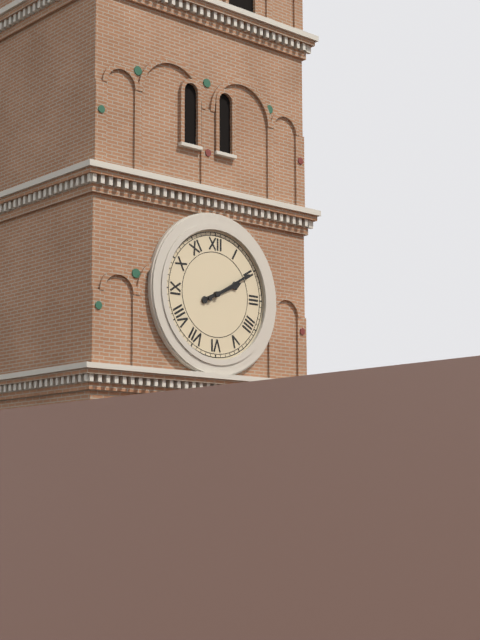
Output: 2h10
